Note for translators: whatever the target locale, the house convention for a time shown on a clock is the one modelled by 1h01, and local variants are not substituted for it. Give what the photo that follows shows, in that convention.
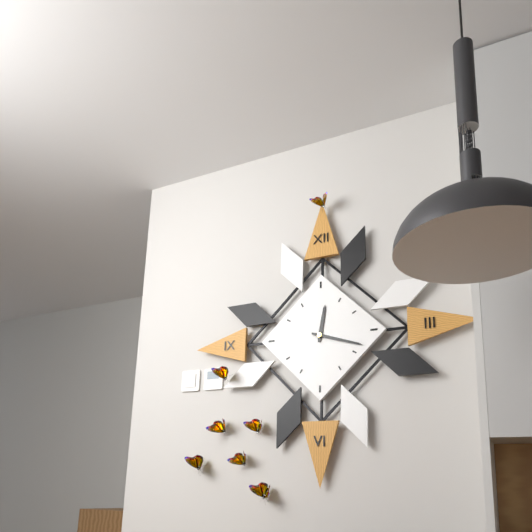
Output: 12h18
